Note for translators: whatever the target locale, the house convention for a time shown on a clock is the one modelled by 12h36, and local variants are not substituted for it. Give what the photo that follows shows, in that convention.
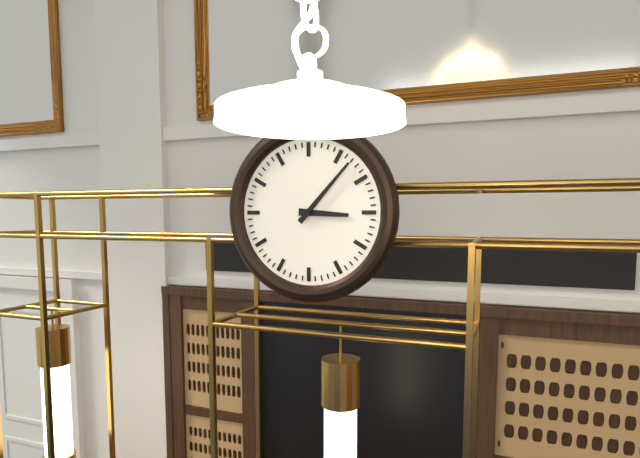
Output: 3h07
